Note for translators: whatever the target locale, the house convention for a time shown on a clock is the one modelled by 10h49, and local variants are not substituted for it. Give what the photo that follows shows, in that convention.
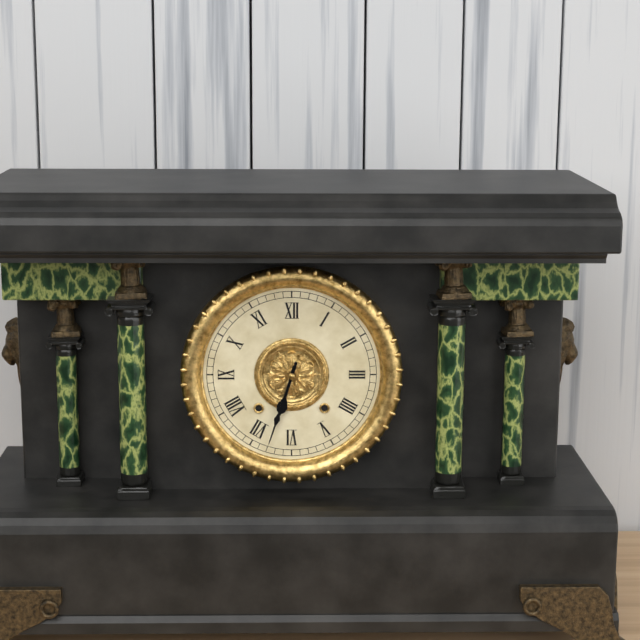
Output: 6h33
